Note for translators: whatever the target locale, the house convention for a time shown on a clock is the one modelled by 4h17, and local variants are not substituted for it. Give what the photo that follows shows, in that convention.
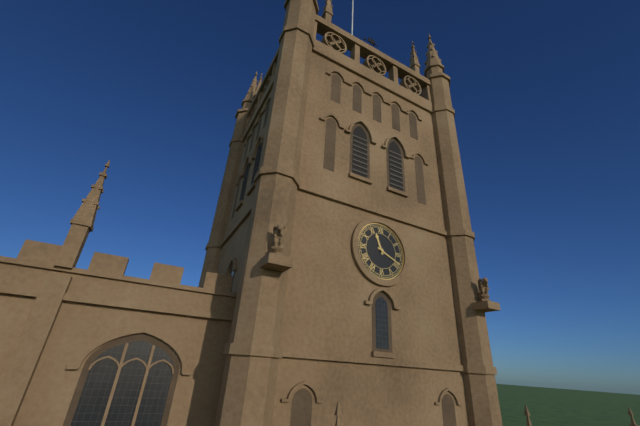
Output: 11h19
